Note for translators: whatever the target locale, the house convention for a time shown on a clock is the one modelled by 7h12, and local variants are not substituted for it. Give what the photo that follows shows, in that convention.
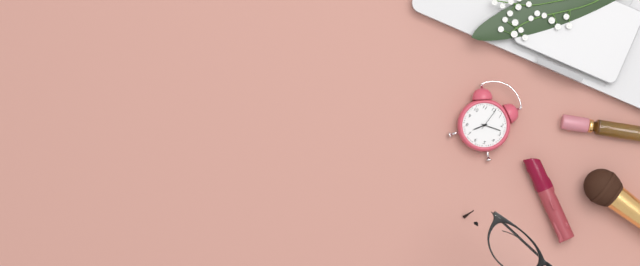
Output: 7h13
